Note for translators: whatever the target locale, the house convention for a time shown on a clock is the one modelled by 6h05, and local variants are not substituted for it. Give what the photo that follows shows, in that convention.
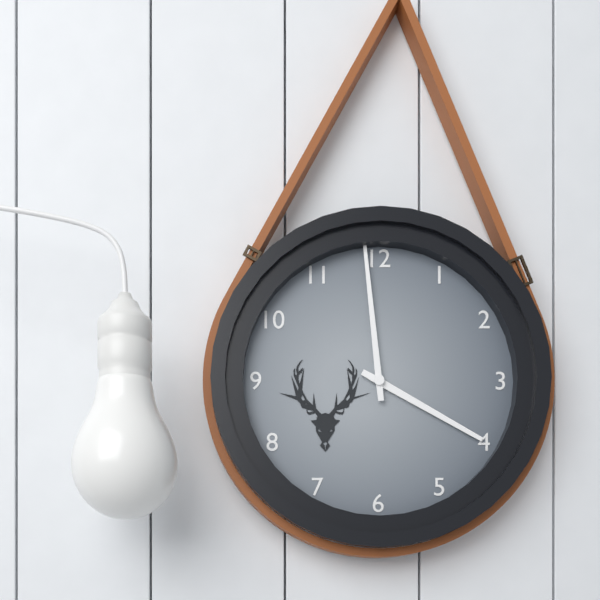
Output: 3h59
